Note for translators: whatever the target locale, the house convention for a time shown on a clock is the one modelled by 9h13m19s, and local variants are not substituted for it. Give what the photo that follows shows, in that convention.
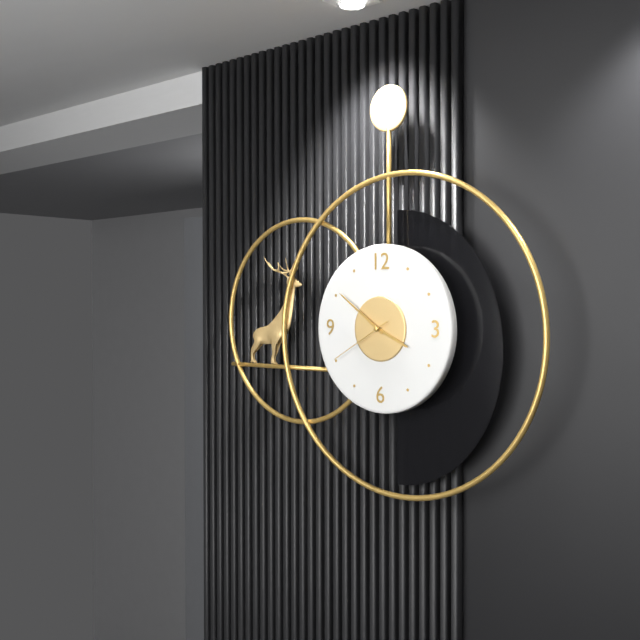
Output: 3h51m40s
